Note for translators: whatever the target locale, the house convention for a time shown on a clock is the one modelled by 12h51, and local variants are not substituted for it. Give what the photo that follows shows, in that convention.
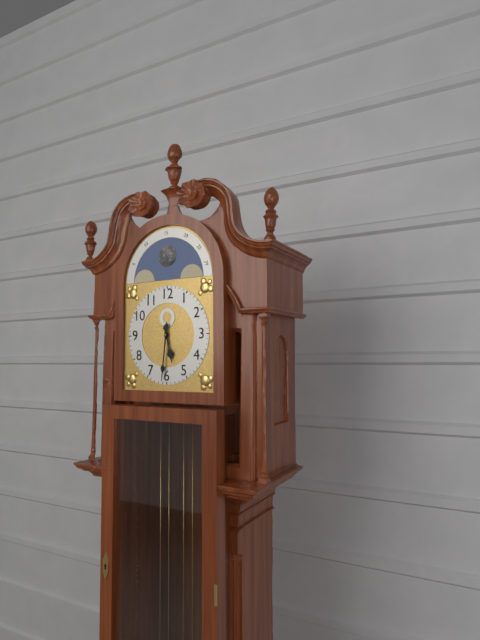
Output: 5h31
